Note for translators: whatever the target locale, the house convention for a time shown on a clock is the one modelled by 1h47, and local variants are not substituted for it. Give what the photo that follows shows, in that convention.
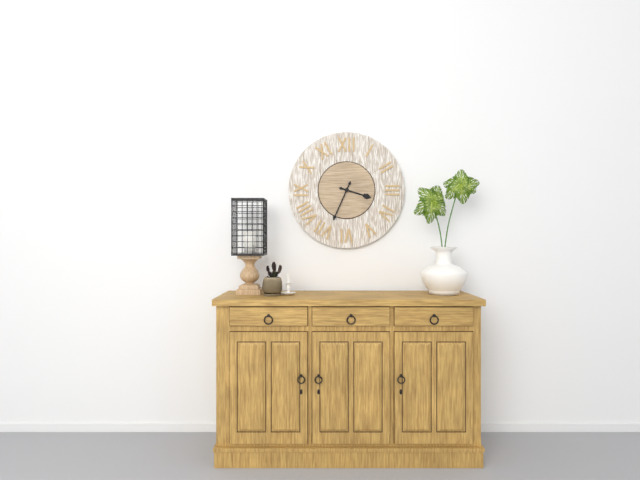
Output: 3h34
